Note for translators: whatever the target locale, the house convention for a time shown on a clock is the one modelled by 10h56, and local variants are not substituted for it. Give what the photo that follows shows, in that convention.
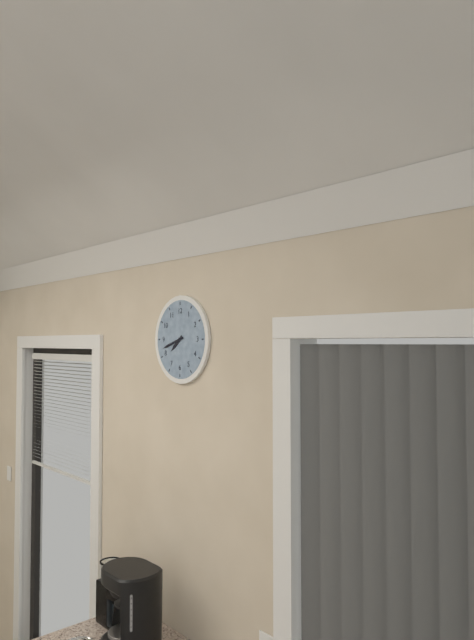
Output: 7h42
